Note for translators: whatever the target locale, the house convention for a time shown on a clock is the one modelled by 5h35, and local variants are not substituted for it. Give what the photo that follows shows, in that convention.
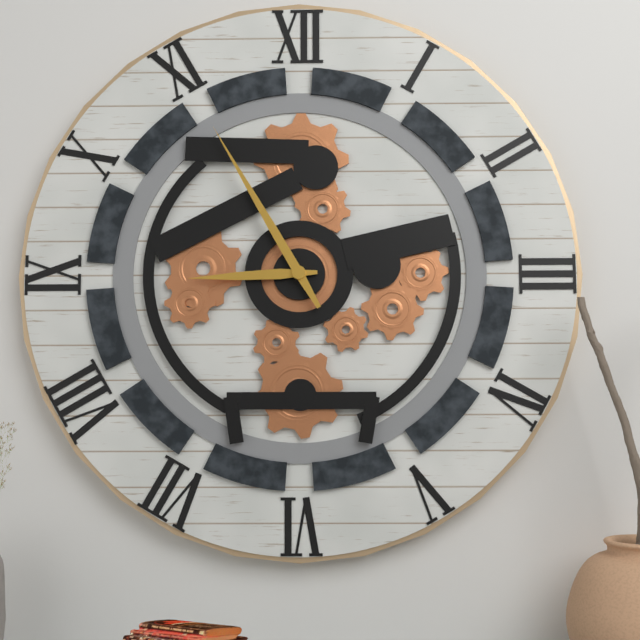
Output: 8h55
